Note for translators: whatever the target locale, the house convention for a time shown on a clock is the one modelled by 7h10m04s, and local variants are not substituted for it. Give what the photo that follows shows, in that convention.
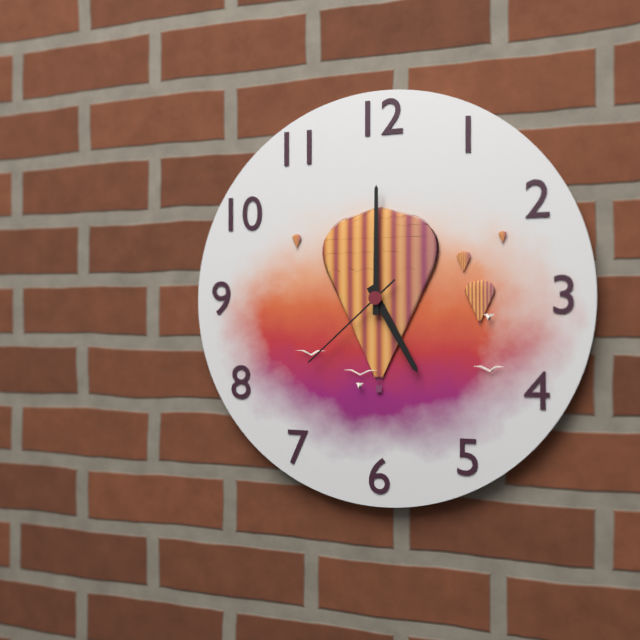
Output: 5h00m38s
